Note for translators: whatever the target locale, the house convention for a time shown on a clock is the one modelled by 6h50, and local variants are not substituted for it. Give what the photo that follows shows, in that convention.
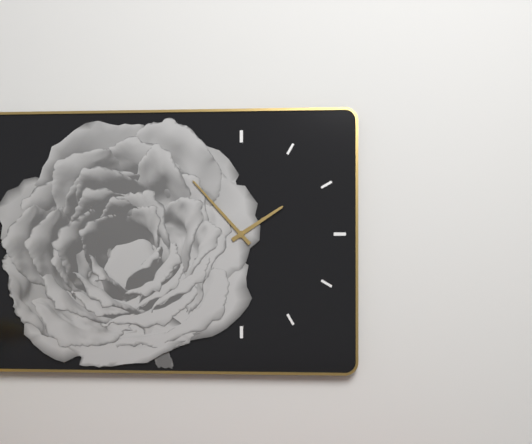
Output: 1h53
